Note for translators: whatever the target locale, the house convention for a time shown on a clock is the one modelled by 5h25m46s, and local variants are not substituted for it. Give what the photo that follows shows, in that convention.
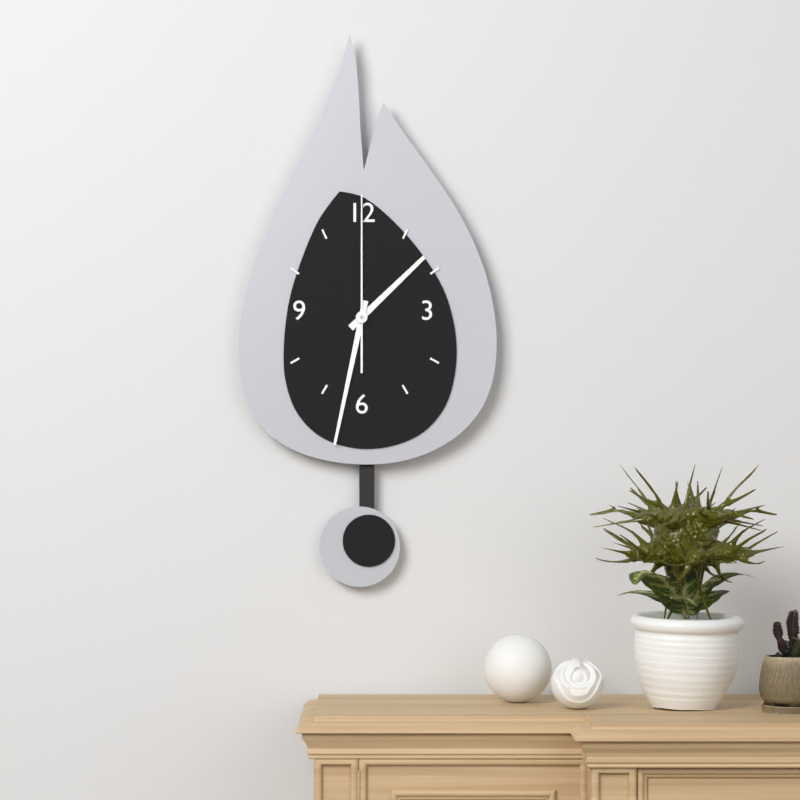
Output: 1h32m00s
